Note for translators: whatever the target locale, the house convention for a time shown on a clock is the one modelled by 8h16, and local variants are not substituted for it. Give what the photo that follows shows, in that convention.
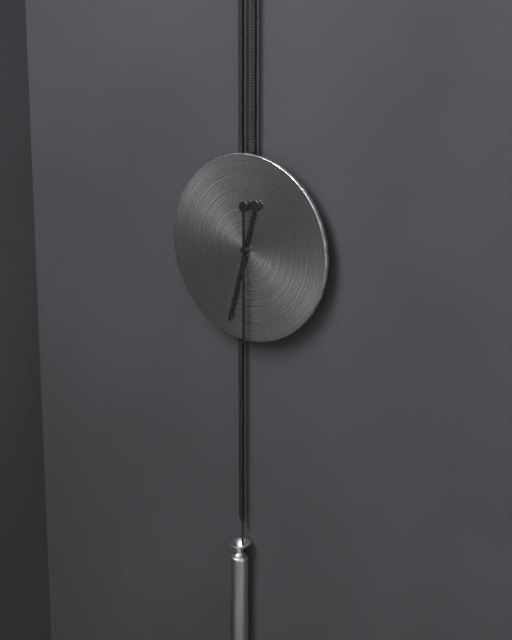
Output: 6h30
